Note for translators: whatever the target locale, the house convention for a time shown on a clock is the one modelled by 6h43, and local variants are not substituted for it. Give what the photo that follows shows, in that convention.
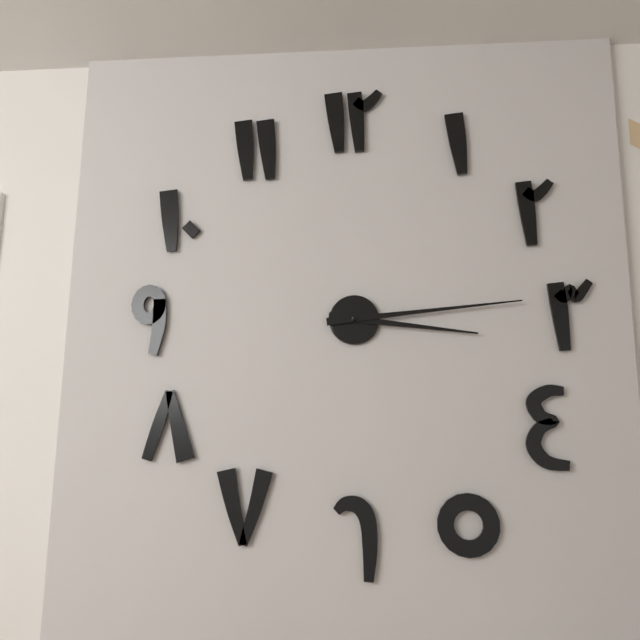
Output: 3h14
